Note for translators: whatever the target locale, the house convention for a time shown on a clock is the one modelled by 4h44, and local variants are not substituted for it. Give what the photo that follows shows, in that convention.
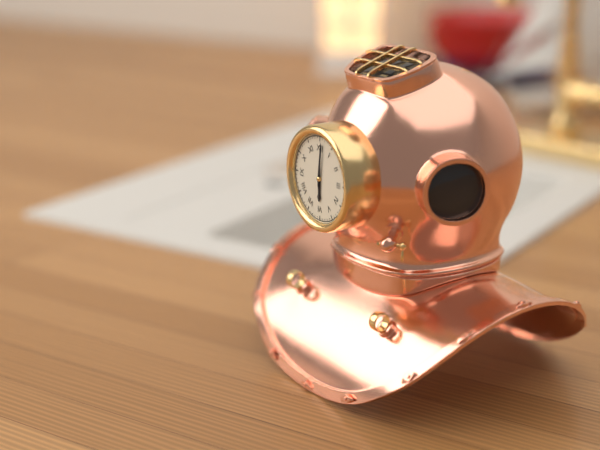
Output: 6h01
